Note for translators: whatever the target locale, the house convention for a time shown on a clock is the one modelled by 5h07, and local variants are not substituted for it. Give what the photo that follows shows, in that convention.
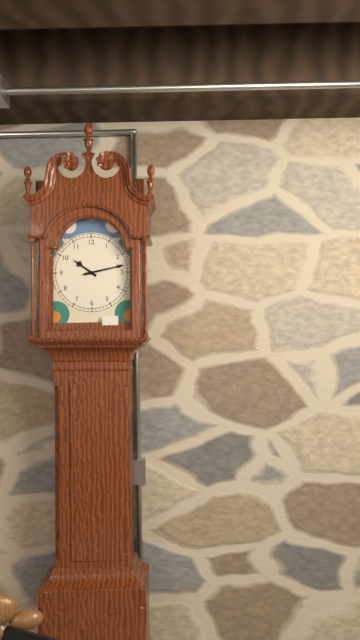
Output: 10h13
